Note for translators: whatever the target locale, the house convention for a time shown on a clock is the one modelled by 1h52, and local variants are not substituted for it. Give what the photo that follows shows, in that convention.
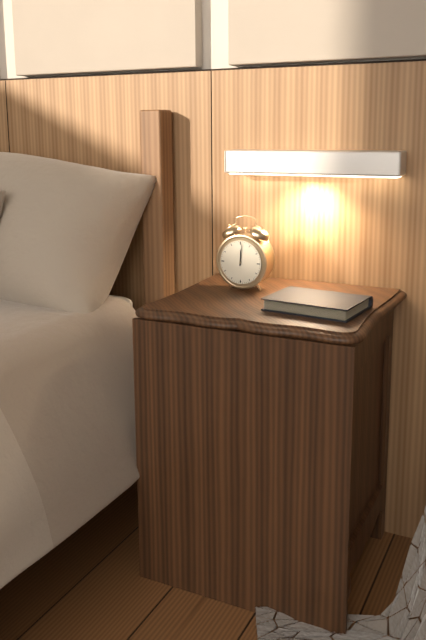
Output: 12h01
